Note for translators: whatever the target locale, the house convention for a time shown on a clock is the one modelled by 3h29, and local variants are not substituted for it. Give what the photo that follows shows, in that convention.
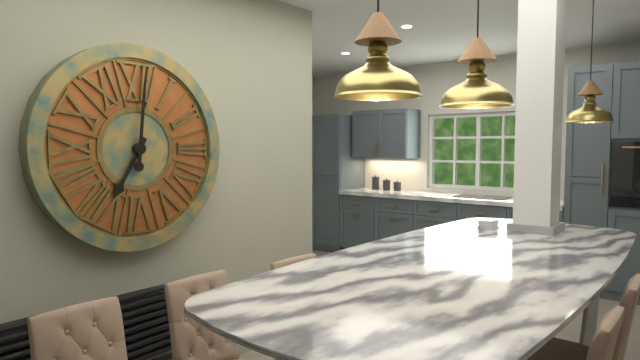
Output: 7h01
